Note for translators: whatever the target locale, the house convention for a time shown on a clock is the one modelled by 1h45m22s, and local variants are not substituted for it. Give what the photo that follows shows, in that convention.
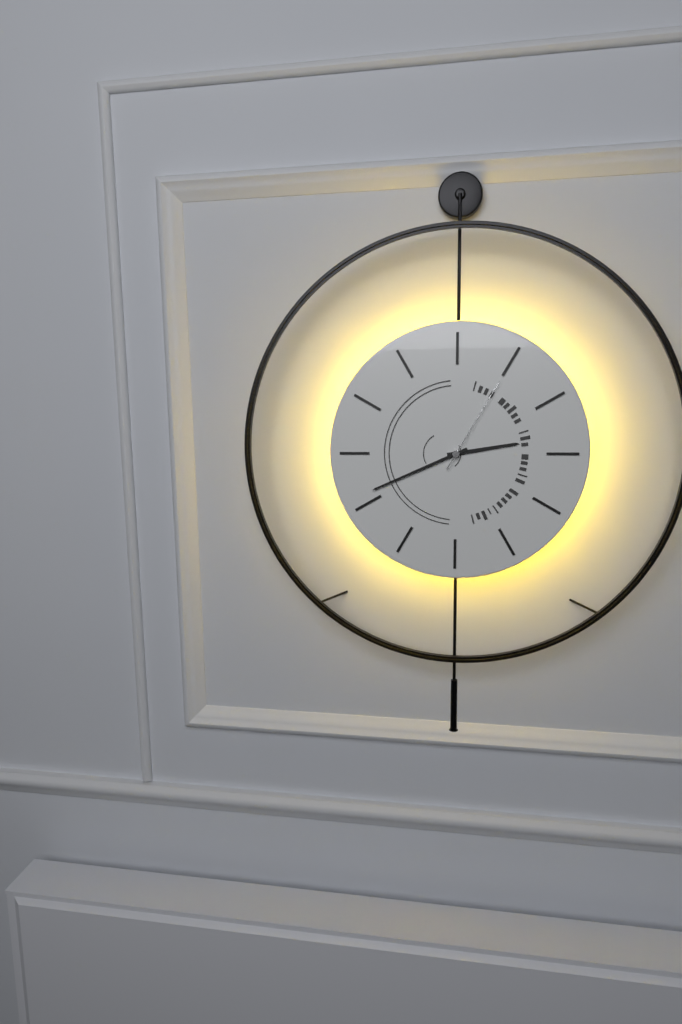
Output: 2h41m05s
